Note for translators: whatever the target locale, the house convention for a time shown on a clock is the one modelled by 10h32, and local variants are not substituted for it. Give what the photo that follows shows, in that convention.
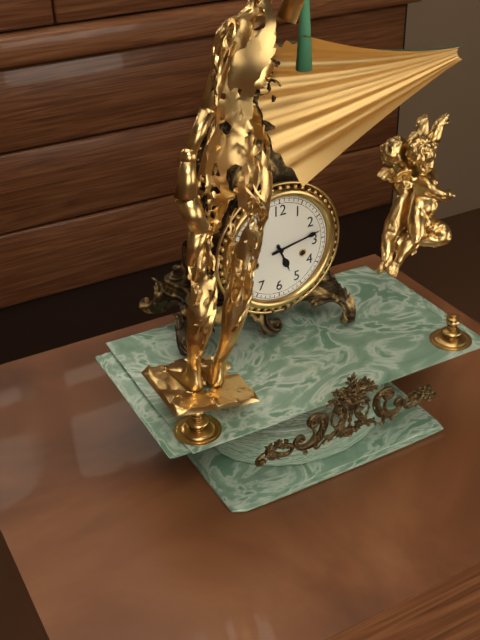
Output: 5h13
